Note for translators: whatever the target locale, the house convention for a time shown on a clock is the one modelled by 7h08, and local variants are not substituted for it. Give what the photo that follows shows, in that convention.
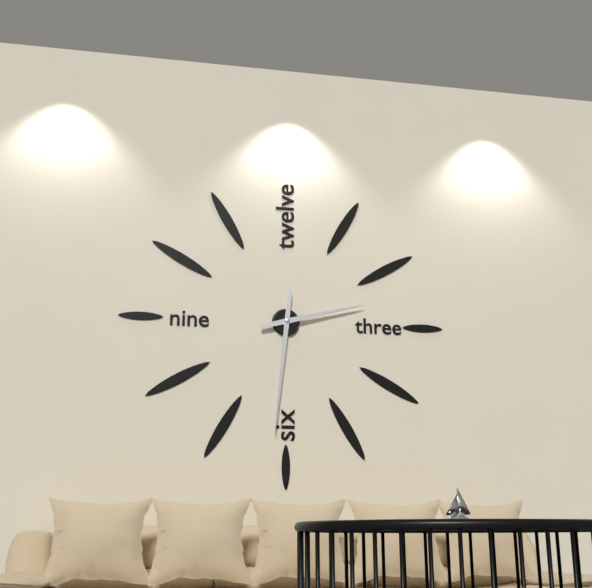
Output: 2h31
